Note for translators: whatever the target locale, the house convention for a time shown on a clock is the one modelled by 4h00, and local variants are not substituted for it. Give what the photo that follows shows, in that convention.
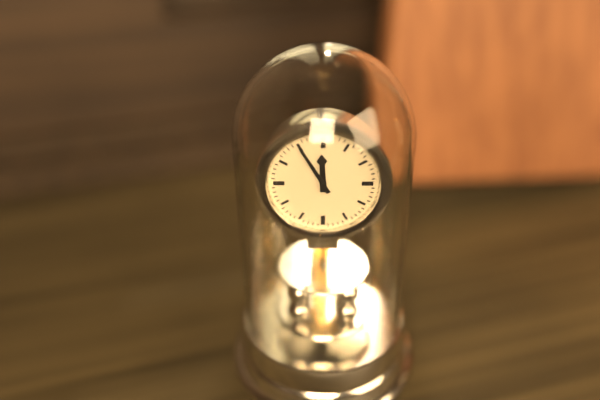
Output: 11h55
